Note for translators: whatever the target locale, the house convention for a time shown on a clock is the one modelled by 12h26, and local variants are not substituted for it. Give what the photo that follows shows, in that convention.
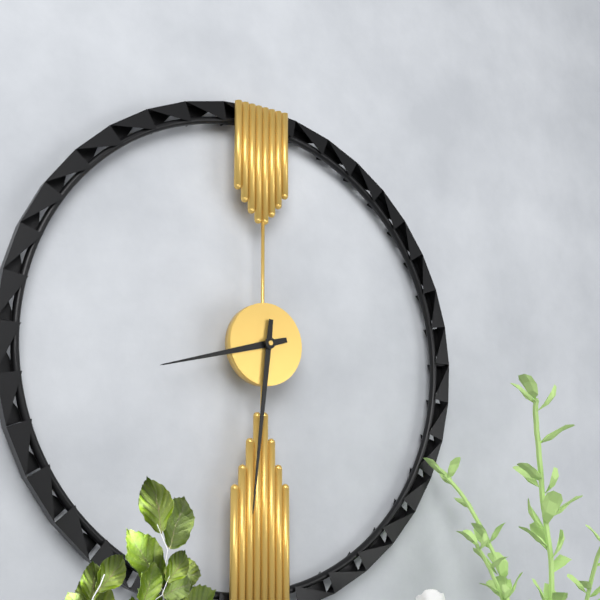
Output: 8h31
